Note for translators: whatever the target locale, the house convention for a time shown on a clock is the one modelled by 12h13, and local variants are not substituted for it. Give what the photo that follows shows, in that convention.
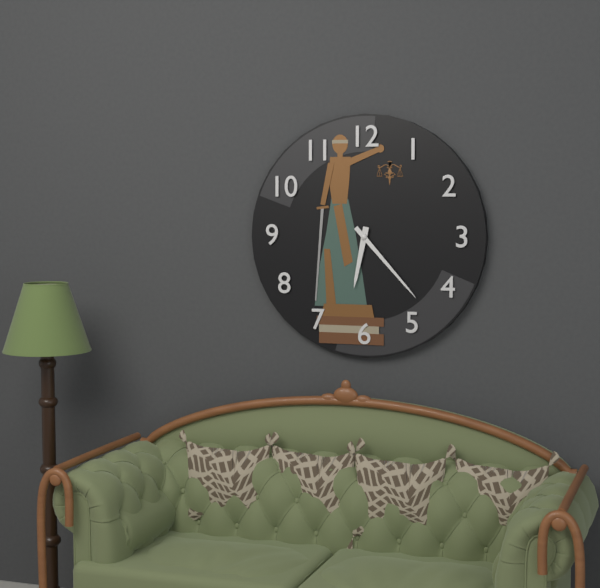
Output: 6h23
